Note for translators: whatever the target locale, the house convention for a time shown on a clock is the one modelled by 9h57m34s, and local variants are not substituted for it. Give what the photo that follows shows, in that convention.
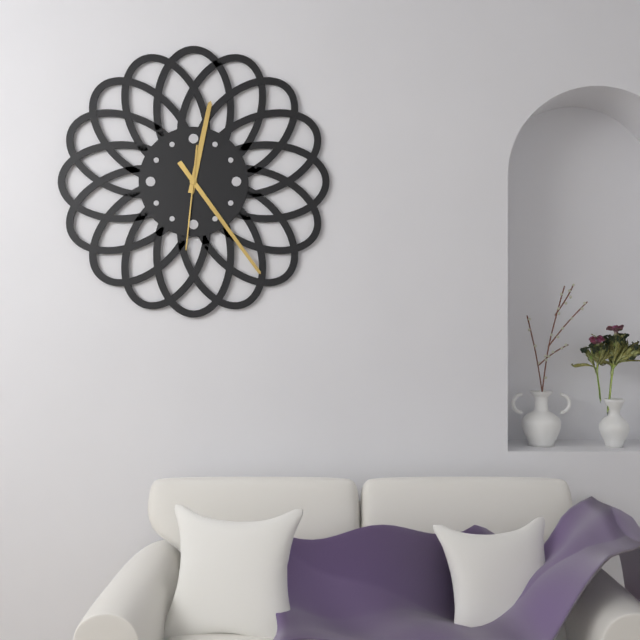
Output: 12h24m31s
